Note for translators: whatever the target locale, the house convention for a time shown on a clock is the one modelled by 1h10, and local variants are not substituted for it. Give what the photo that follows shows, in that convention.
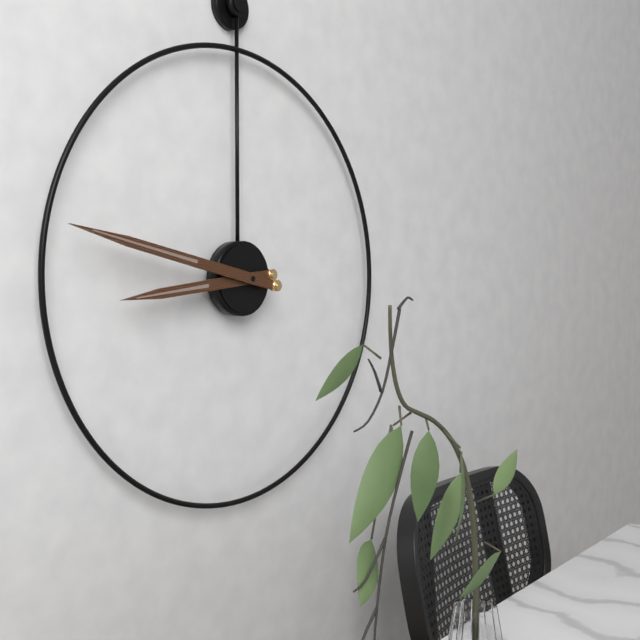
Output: 8h47
